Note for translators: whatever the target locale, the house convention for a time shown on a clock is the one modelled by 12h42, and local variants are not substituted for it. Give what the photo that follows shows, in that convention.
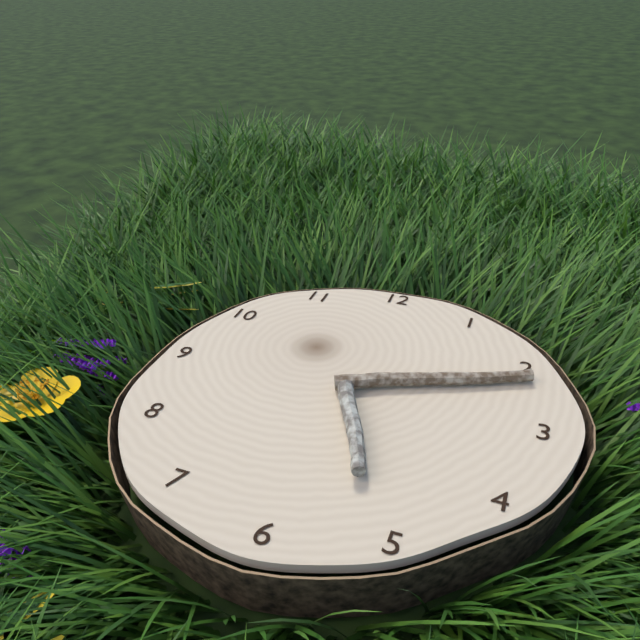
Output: 5h11
